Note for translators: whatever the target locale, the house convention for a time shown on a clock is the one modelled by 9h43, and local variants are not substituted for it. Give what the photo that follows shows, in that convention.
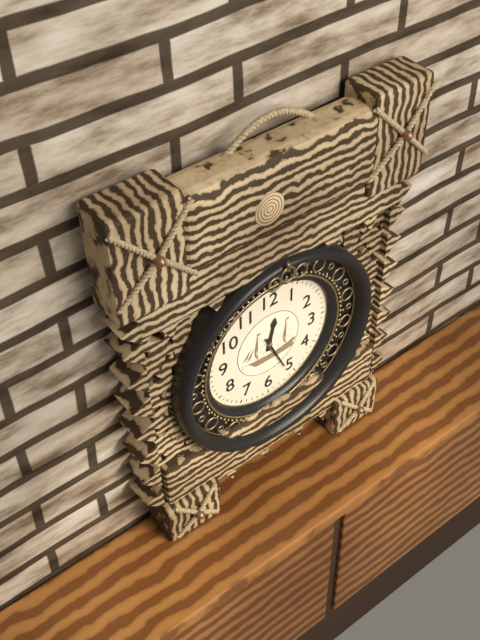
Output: 12h26
